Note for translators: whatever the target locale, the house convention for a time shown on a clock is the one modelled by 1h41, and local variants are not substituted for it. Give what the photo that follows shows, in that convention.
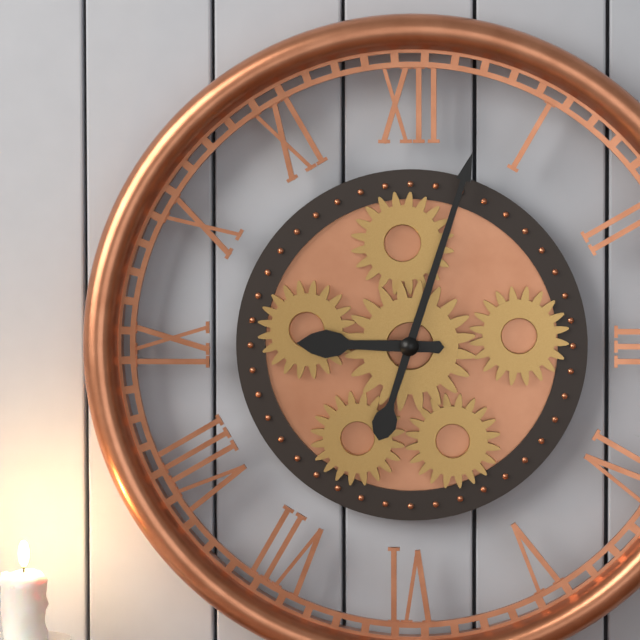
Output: 9h03
